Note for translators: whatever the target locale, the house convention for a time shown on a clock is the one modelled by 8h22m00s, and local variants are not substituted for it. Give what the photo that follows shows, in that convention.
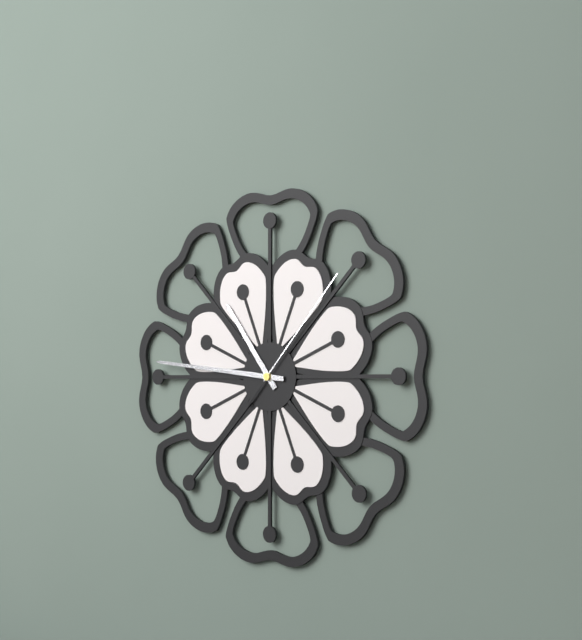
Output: 10h46m07s
